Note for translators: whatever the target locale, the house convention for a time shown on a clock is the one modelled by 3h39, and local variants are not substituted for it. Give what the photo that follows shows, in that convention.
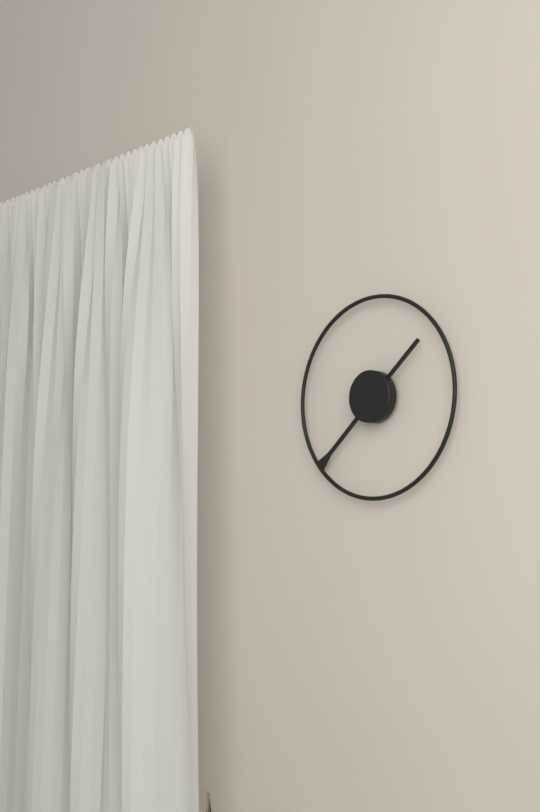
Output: 1h38
